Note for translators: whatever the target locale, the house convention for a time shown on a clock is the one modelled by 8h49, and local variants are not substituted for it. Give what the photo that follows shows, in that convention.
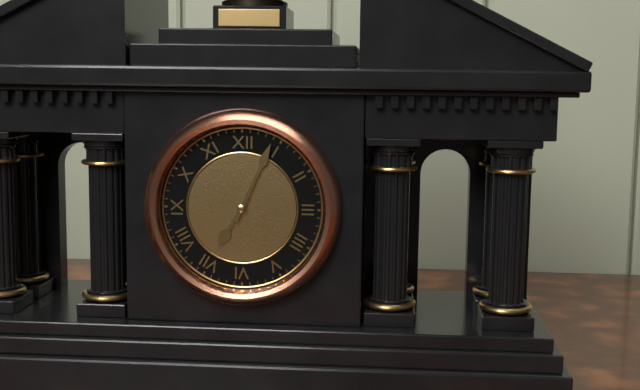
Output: 7h04
